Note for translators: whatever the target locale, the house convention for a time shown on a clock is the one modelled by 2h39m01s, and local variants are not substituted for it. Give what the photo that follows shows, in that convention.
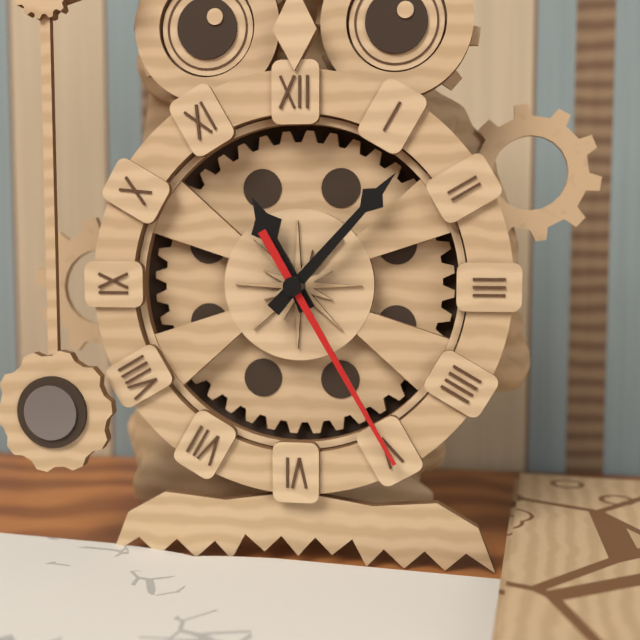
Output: 11h07m25s
